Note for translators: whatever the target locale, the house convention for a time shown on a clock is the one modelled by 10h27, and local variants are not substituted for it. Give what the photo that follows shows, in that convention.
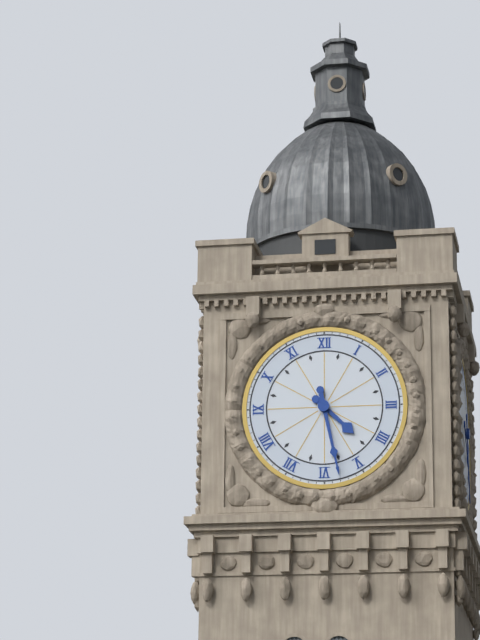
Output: 4h28
